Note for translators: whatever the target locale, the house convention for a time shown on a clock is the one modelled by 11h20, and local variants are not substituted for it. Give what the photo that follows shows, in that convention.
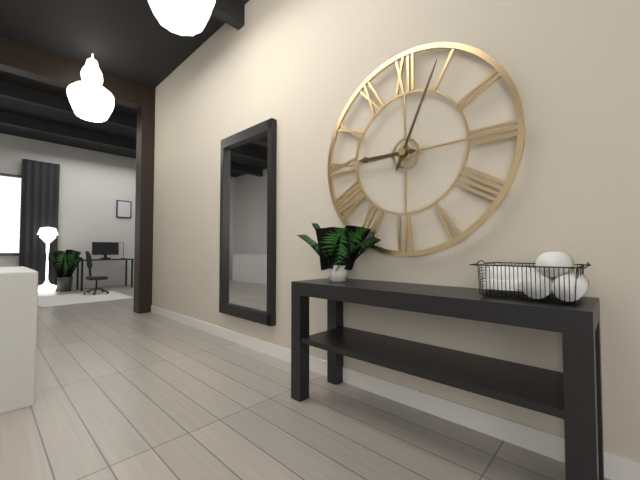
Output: 9h04
